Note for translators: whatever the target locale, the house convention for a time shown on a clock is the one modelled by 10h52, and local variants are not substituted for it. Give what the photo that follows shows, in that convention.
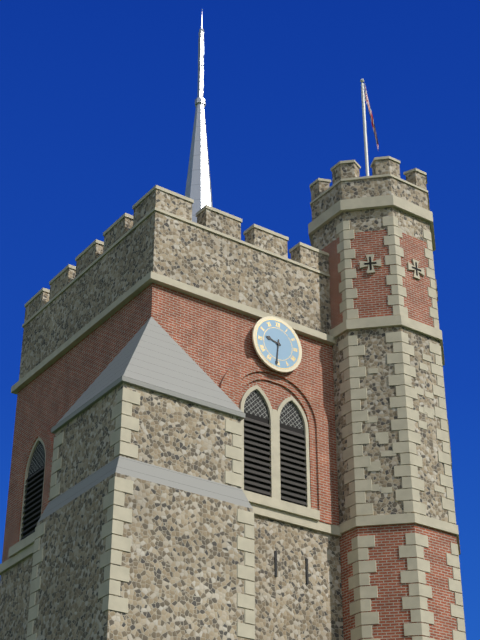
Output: 9h31
